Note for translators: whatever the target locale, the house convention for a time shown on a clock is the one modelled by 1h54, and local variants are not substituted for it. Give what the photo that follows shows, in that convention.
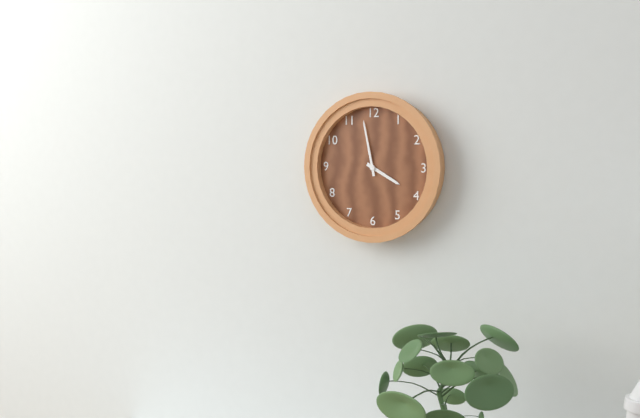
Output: 3h58
